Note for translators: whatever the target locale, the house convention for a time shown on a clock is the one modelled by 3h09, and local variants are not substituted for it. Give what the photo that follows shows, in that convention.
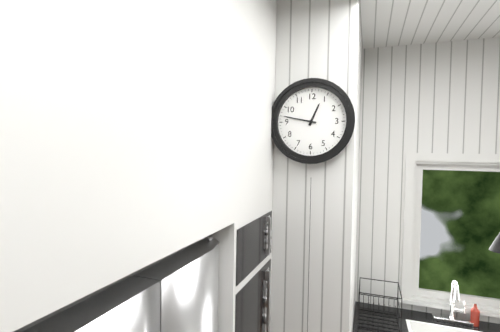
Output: 12h47
